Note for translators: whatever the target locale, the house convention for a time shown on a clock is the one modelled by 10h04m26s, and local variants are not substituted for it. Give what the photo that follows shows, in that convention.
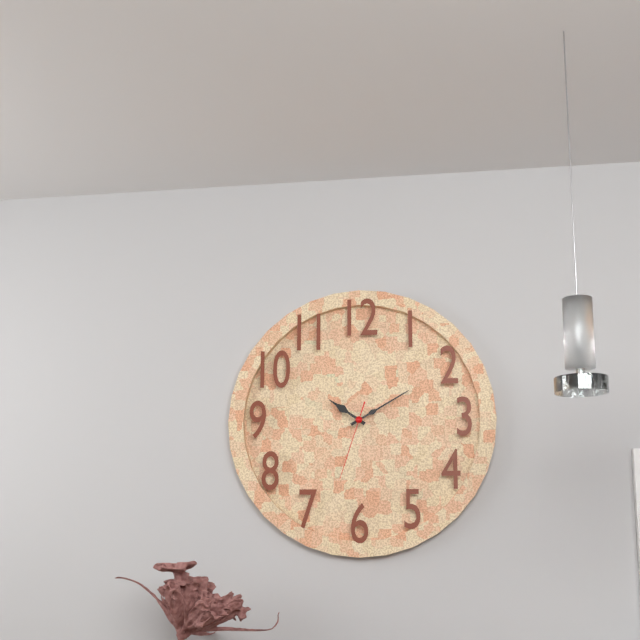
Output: 10h10m33s
